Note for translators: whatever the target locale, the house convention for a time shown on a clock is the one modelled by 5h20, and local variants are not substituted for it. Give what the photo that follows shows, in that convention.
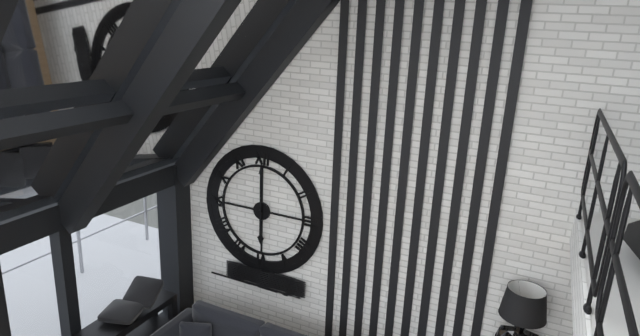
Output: 6h00
